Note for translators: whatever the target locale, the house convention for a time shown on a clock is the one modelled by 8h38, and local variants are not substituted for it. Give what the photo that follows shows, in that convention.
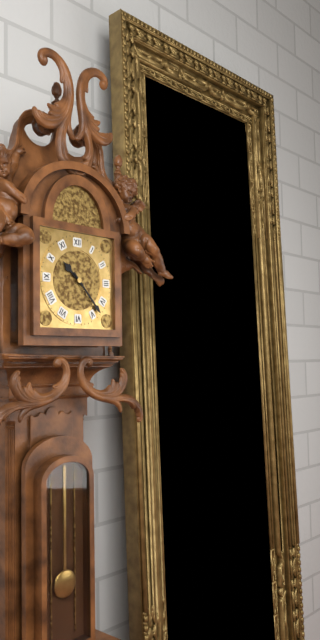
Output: 10h23
